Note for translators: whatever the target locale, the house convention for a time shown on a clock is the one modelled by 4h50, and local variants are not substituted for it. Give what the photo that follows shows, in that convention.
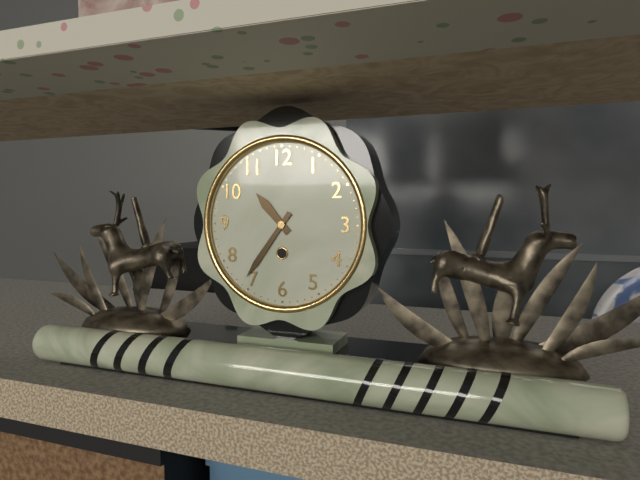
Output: 10h36
